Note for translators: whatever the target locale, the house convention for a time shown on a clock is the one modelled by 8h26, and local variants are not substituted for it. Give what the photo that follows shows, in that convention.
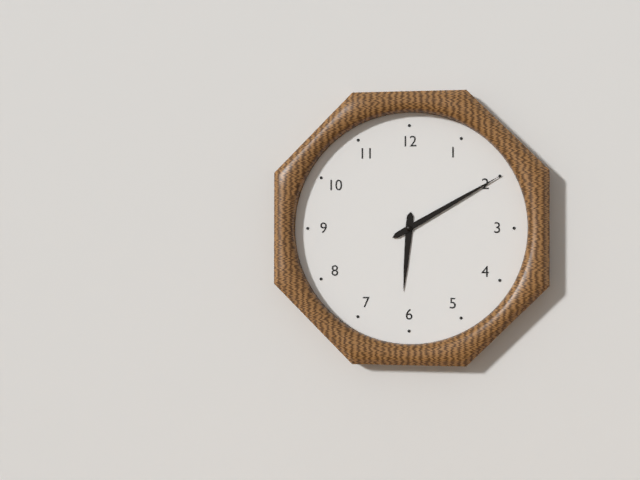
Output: 6h10
